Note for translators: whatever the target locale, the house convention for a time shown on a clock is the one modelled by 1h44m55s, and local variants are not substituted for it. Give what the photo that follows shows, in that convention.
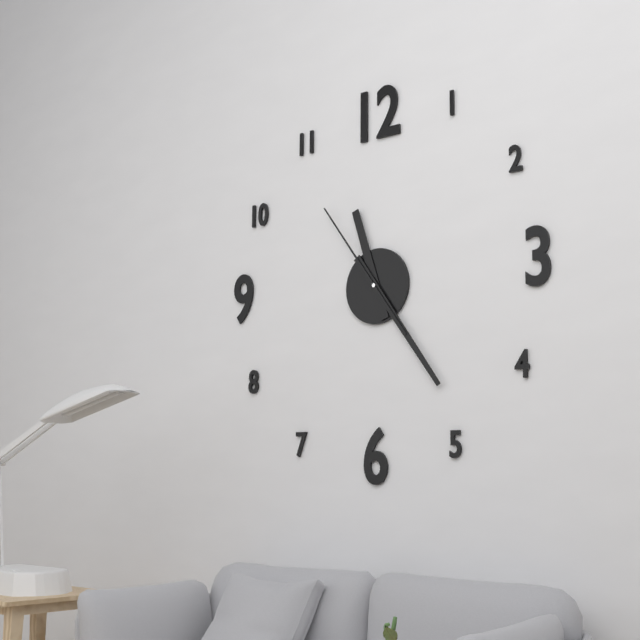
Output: 11h24m54s
